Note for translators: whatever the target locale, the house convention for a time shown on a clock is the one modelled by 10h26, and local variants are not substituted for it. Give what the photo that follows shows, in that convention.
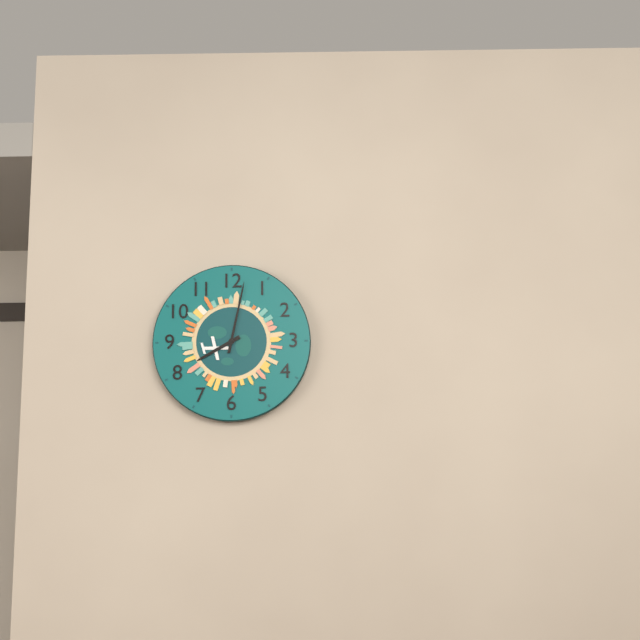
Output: 8h02
